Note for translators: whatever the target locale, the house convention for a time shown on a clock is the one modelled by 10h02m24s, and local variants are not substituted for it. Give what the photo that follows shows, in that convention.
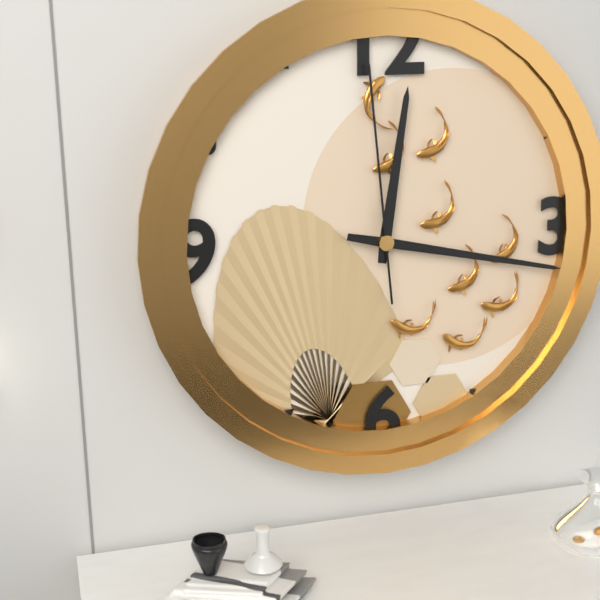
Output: 12h17m59s
